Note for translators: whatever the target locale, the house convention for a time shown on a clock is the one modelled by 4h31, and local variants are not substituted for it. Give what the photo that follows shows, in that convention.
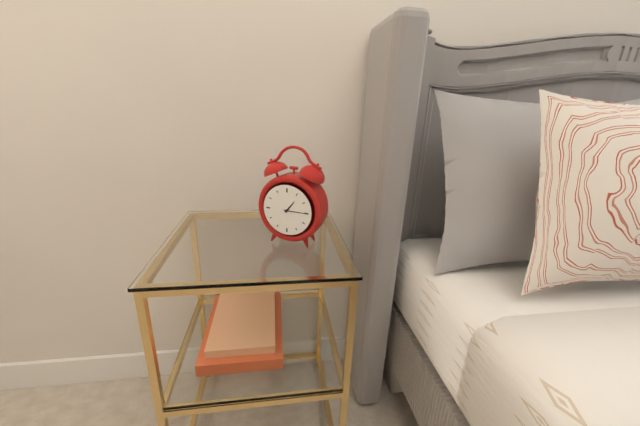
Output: 1h15
